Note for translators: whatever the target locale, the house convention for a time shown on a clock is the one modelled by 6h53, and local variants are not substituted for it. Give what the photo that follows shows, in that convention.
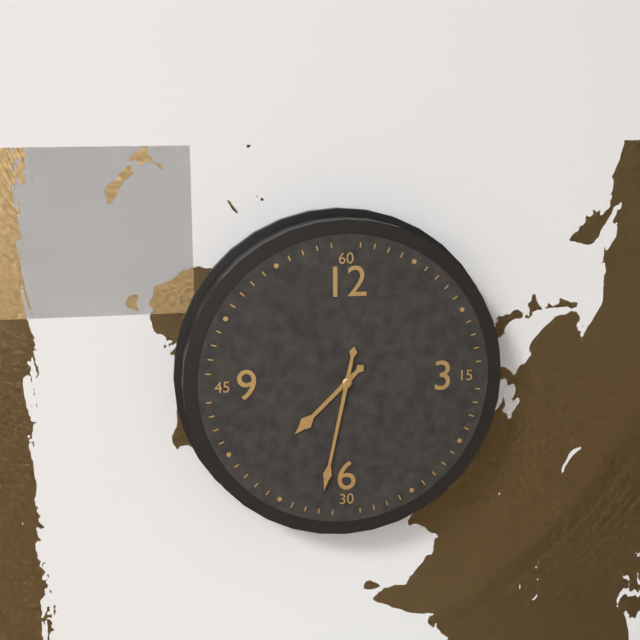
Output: 7h32
